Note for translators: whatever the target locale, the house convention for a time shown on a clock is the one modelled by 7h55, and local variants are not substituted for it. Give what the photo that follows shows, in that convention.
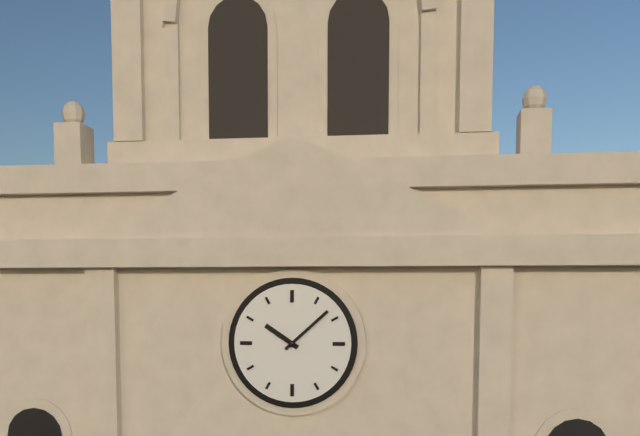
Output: 10h08
